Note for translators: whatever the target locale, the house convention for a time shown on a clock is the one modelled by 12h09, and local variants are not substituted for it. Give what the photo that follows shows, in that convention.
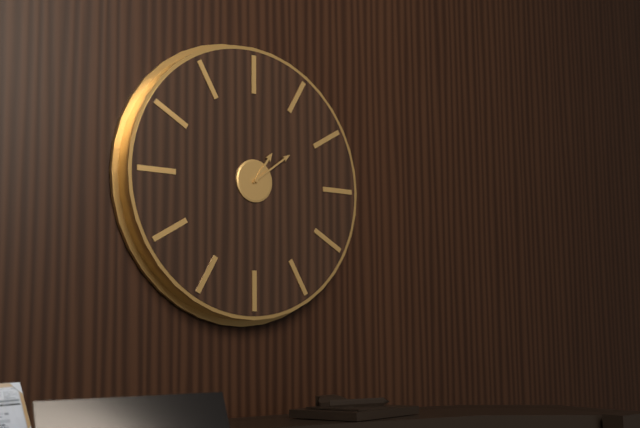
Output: 1h09
